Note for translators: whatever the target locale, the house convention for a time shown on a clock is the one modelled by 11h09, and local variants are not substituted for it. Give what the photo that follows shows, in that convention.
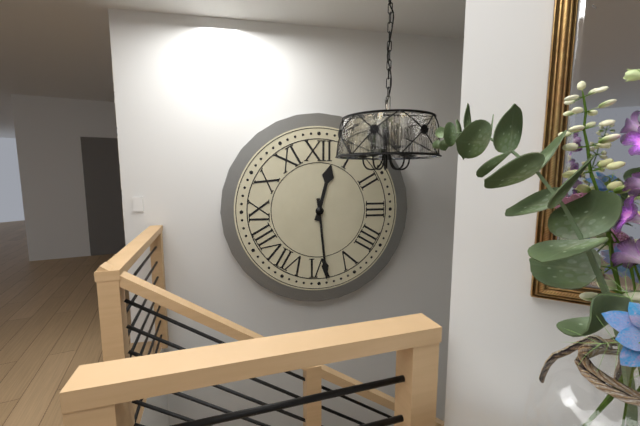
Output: 12h29
